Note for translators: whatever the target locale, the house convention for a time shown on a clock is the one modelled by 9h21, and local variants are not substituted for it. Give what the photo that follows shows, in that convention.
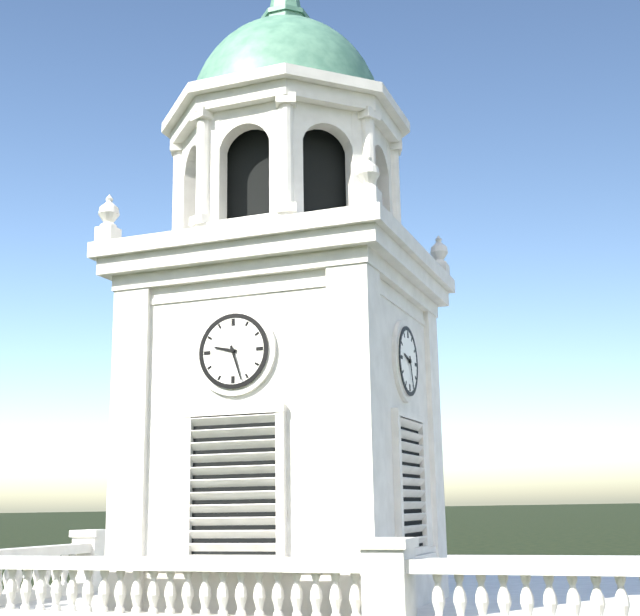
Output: 9h27
